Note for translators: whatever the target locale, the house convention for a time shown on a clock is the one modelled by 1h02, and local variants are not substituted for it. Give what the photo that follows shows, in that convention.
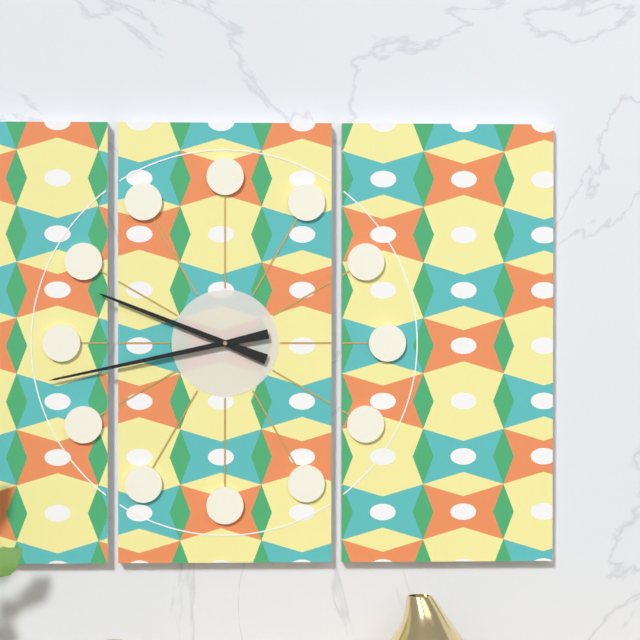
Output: 9h43
